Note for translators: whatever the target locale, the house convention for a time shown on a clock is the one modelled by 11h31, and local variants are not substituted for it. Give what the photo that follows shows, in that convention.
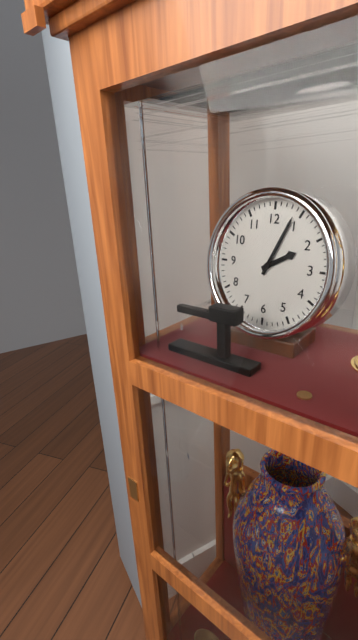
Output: 2h04
